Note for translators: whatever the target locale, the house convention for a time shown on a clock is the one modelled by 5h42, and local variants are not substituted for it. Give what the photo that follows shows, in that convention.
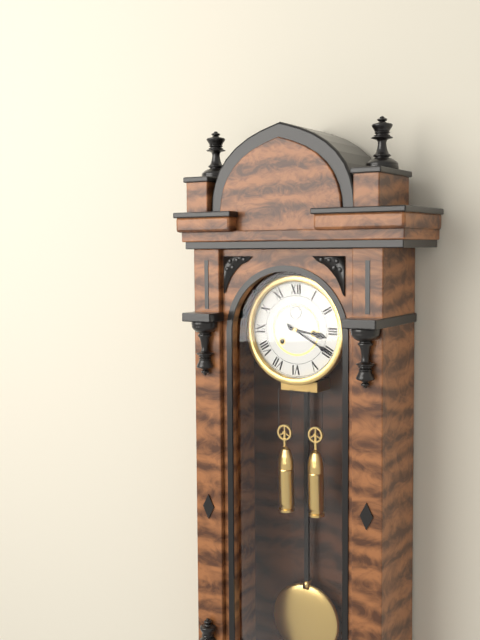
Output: 3h20
